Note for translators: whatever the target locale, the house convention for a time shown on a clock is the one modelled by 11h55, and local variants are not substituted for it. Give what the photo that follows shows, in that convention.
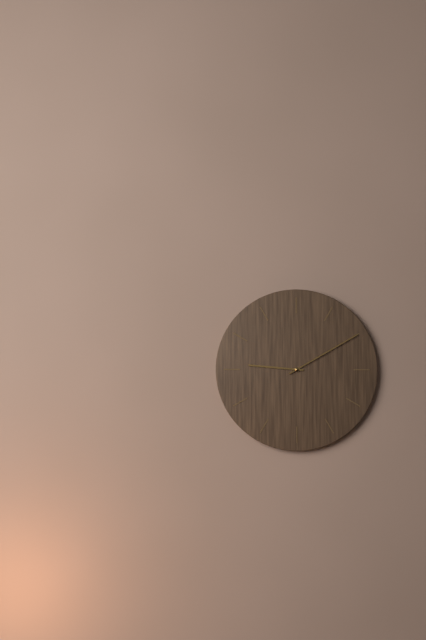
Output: 9h10
